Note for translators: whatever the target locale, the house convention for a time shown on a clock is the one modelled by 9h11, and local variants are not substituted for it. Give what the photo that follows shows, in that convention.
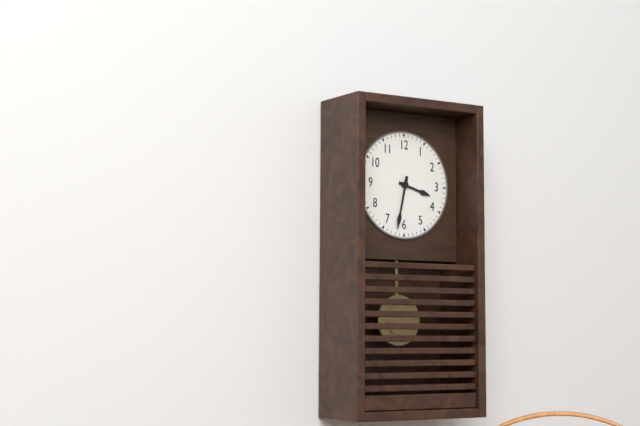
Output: 3h32
